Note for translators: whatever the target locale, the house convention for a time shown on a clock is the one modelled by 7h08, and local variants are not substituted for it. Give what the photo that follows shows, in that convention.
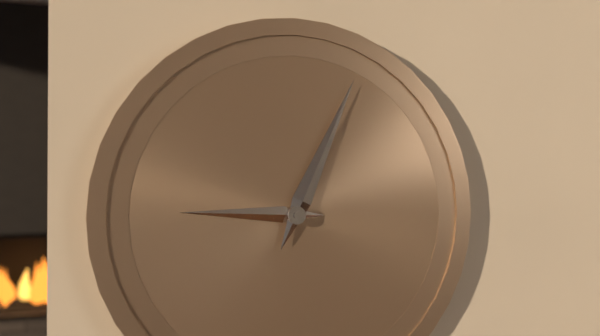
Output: 9h04
